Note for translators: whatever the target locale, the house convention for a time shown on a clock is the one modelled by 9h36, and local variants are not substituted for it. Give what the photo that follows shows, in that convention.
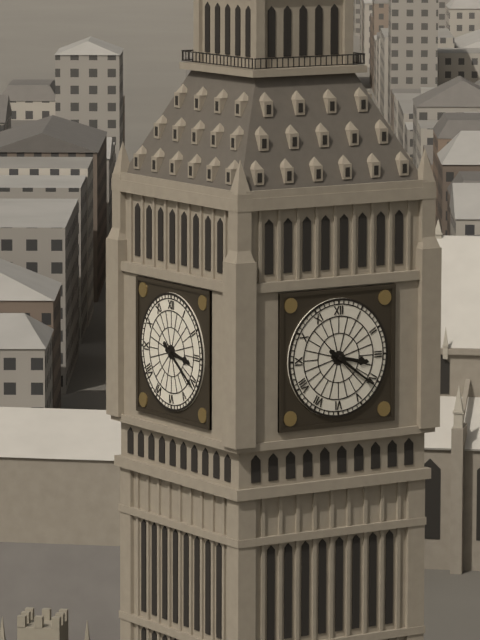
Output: 3h21
